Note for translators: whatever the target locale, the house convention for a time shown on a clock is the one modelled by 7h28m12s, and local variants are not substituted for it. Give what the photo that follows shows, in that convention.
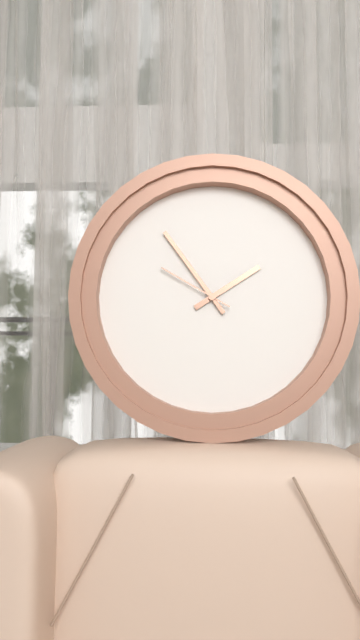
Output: 1h54m50s
